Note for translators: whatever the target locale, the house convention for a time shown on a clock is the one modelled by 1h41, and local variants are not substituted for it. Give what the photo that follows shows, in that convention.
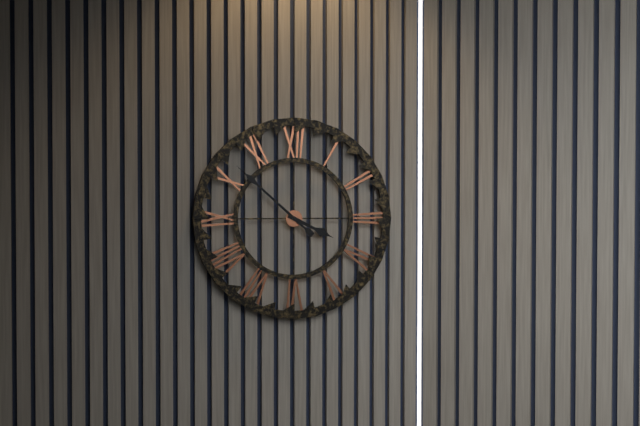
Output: 3h52
